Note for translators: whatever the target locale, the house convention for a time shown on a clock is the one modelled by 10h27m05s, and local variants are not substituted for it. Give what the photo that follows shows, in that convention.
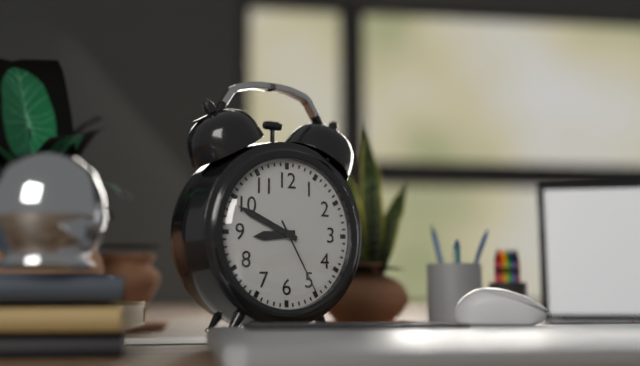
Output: 8h49m25s
